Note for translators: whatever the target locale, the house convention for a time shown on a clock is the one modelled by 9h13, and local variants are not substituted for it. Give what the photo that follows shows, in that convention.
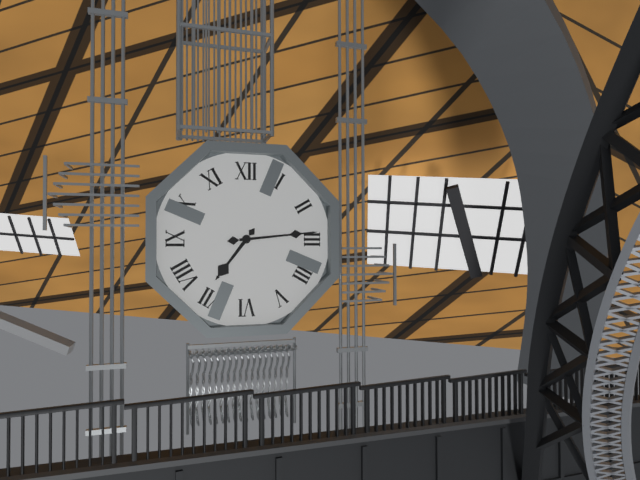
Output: 7h14
